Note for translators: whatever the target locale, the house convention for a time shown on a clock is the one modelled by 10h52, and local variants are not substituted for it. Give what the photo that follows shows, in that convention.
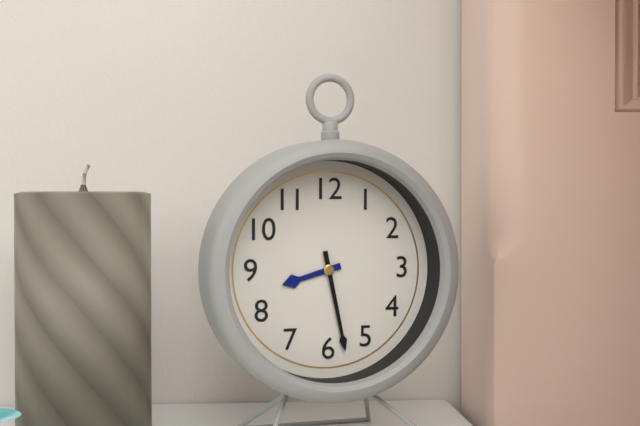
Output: 8h28
